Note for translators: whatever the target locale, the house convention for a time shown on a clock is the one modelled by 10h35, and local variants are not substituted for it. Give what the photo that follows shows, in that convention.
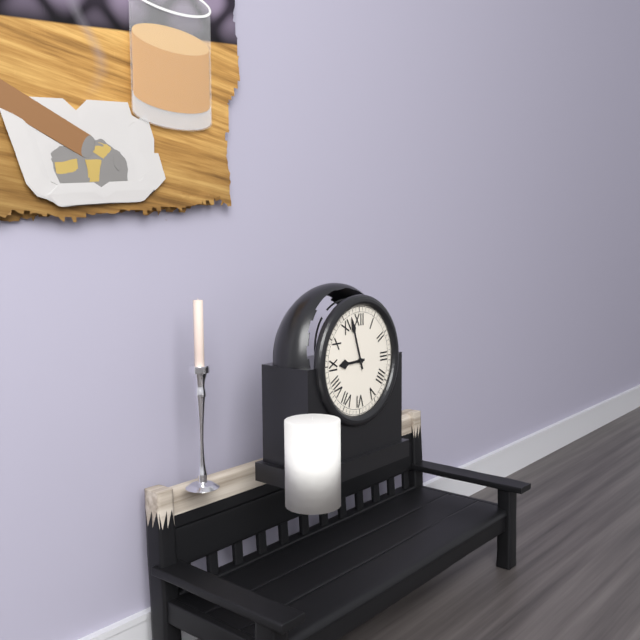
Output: 8h57
